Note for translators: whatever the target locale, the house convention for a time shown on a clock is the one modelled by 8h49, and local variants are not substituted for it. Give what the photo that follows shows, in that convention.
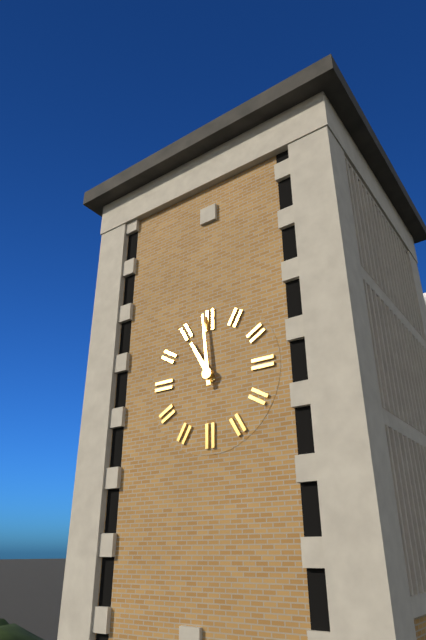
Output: 10h59
